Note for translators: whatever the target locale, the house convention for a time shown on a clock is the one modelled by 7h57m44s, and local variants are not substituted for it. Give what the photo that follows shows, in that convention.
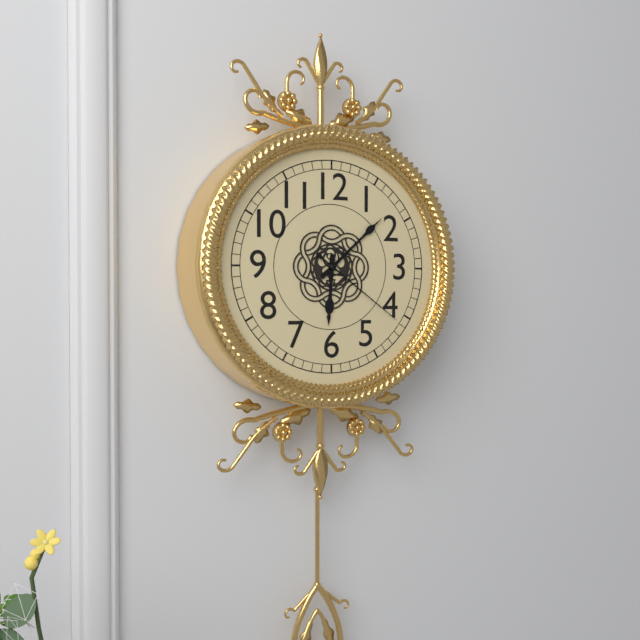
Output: 6h08m21s
